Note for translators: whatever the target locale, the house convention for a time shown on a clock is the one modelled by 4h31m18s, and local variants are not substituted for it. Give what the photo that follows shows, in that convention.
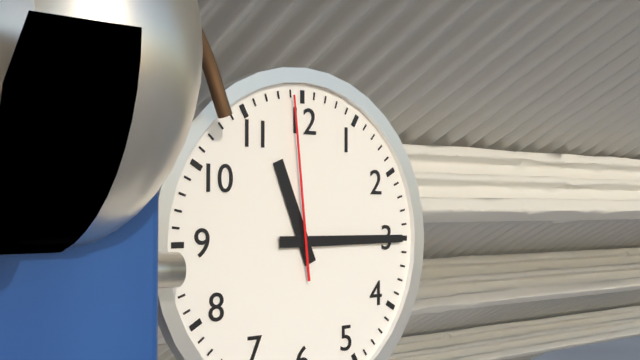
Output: 11h15m59s
